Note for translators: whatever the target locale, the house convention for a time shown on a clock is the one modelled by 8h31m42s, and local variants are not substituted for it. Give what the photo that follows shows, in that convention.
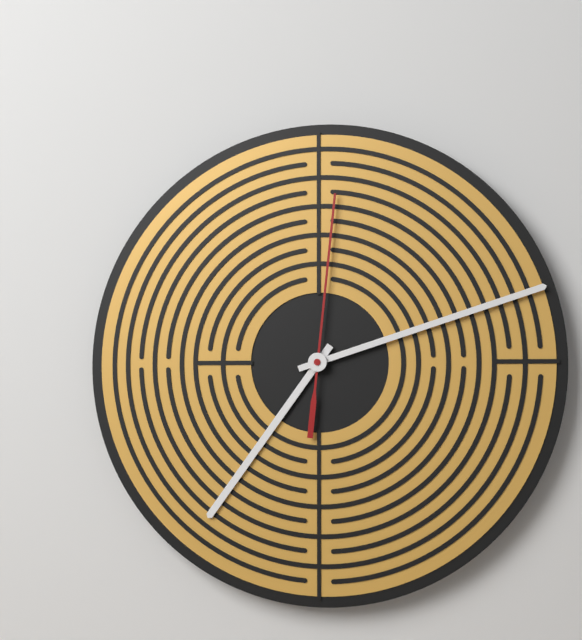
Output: 7h12m01s
